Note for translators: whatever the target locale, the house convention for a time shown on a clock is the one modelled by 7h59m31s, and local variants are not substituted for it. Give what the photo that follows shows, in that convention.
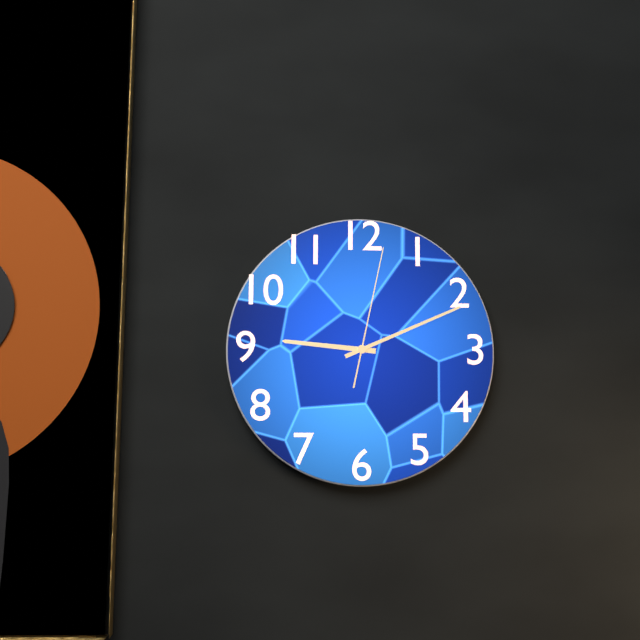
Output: 9h11m02s
